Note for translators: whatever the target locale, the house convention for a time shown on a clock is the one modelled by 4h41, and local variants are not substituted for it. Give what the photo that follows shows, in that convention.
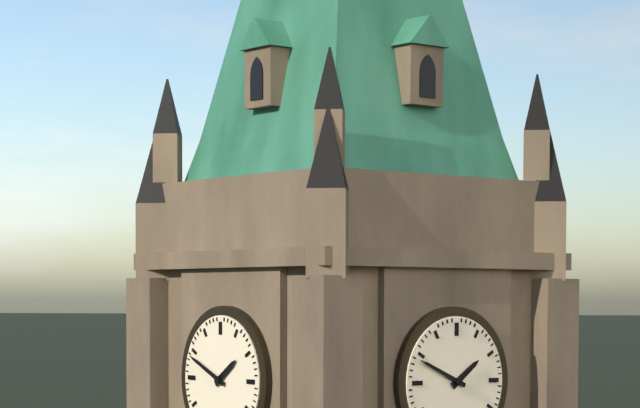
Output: 1h49
